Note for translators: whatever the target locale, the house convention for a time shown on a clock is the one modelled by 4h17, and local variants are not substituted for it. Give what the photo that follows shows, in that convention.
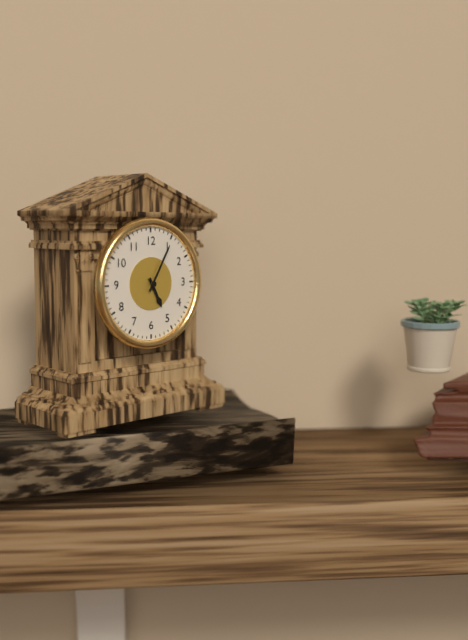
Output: 5h05
